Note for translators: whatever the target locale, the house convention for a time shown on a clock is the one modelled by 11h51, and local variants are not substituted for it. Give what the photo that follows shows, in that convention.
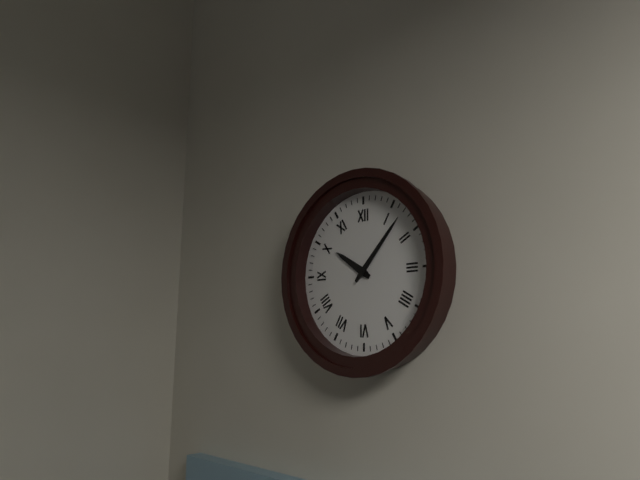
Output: 10h07
